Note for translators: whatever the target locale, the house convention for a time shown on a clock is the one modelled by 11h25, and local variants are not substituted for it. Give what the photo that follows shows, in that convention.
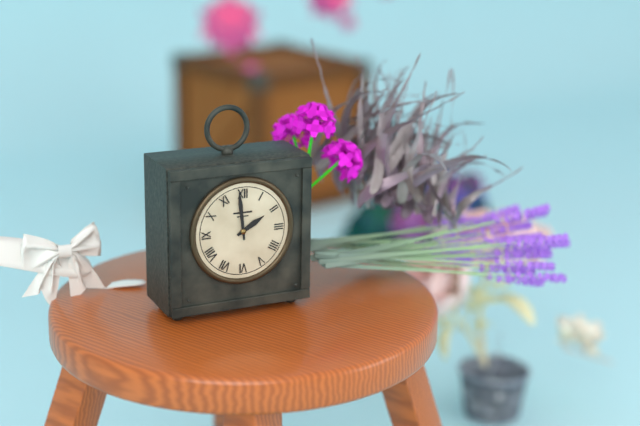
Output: 1h59
